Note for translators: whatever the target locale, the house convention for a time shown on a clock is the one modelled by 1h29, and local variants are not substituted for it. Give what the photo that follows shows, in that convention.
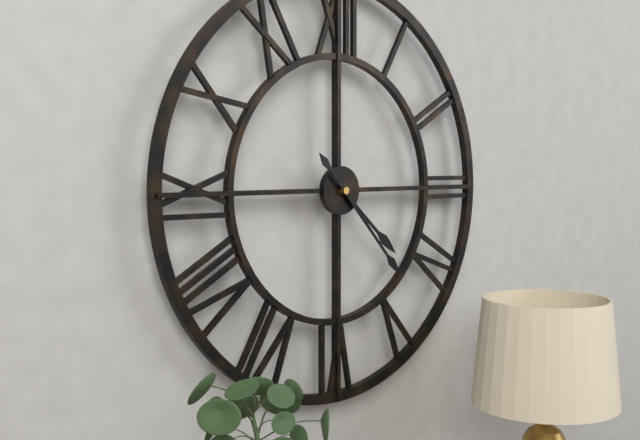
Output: 4h23
